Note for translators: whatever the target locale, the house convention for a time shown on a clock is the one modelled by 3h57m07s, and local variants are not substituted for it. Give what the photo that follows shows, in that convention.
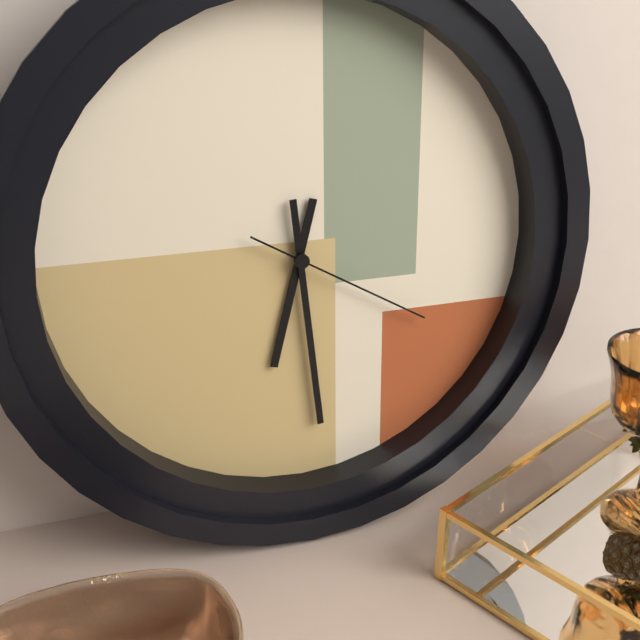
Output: 6h29m20s
